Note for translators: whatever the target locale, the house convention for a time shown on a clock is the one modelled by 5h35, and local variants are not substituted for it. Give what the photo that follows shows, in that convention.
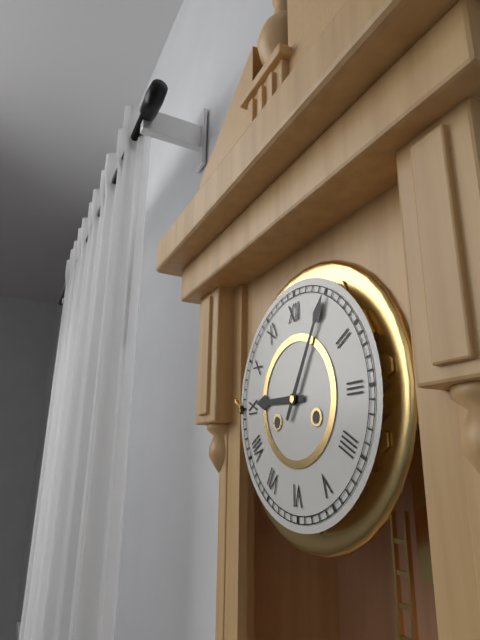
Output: 9h05
